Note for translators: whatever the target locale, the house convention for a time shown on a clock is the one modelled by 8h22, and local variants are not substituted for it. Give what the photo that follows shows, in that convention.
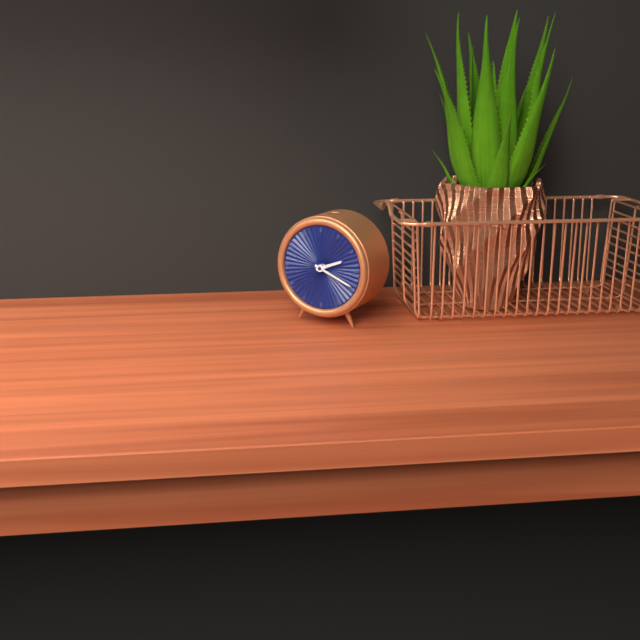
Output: 2h19
